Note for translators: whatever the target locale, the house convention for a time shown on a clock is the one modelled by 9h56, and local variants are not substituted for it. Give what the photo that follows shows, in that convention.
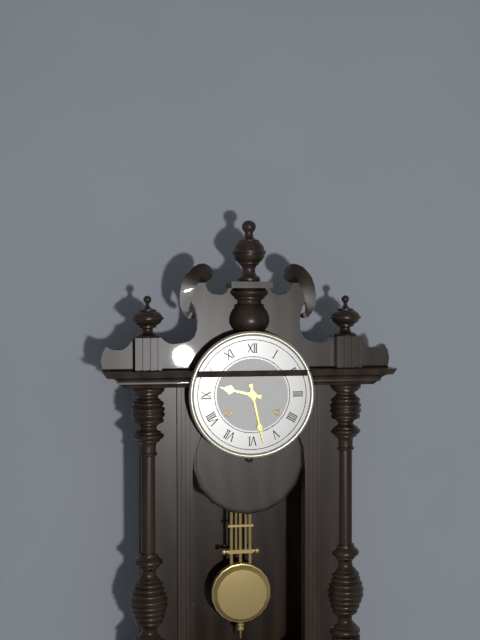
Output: 9h28
